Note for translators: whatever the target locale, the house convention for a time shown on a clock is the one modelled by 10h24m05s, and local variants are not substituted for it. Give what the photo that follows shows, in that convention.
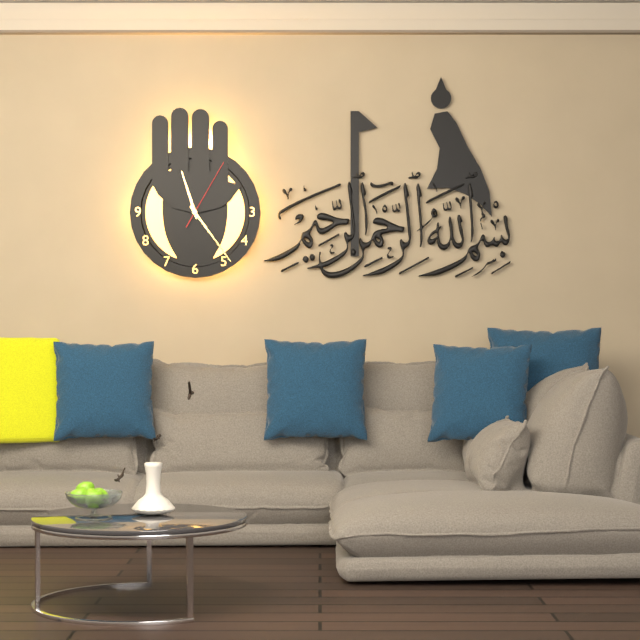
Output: 11h24m05s
